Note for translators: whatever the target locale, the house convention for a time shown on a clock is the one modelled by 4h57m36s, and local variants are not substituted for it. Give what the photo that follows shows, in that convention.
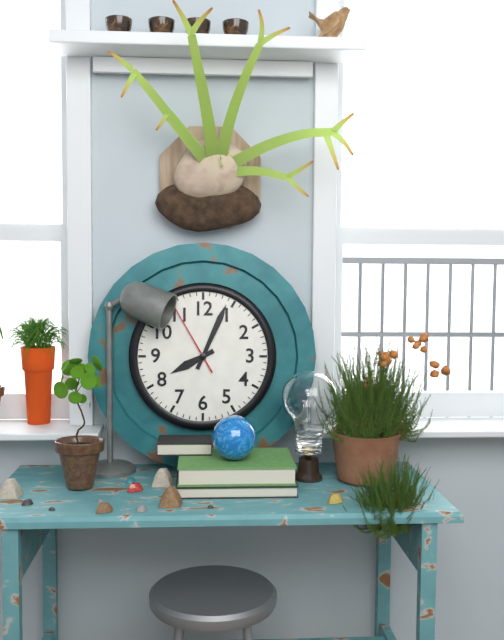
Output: 8h04m55s
